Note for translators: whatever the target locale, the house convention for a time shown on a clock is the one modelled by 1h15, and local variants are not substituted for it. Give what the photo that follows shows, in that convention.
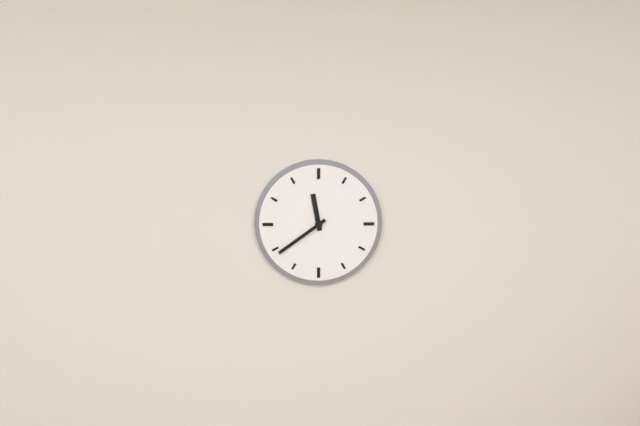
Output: 11h39
